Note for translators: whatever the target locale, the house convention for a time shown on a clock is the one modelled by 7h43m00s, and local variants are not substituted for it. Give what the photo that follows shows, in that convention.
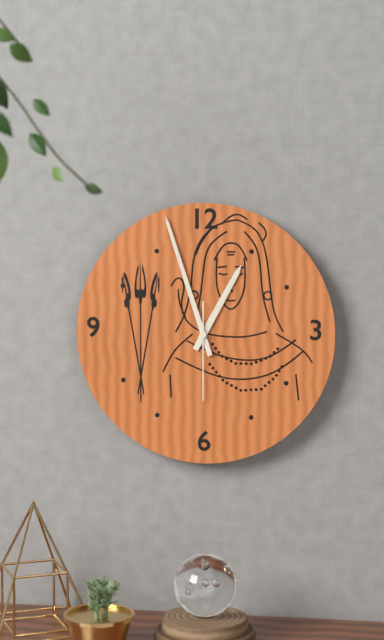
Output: 12h57m30s
